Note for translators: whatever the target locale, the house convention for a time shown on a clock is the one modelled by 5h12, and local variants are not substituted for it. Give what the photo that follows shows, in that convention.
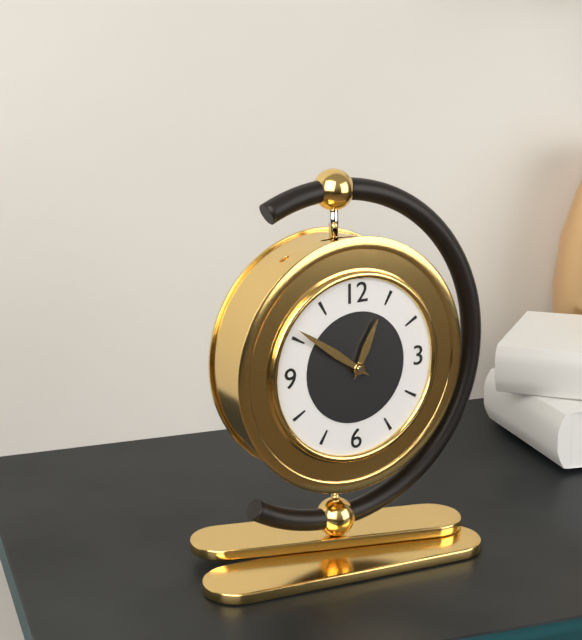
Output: 12h51
